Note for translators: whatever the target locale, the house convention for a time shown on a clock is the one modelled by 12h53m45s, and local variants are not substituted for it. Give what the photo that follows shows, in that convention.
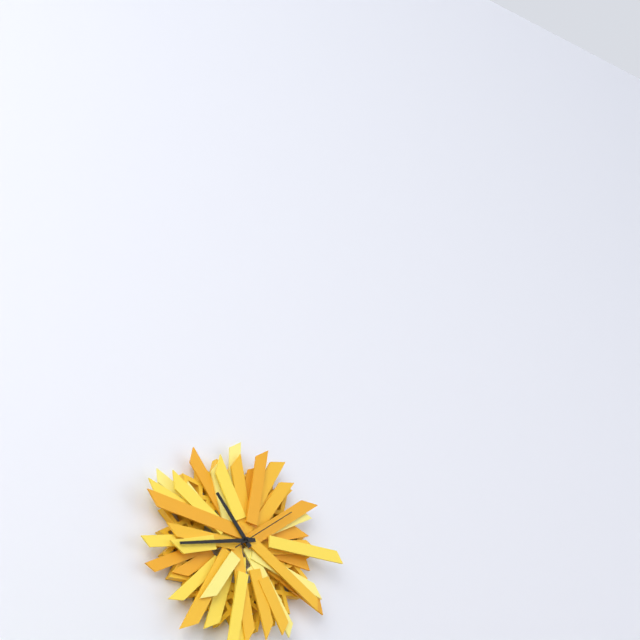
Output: 10h43m09s
